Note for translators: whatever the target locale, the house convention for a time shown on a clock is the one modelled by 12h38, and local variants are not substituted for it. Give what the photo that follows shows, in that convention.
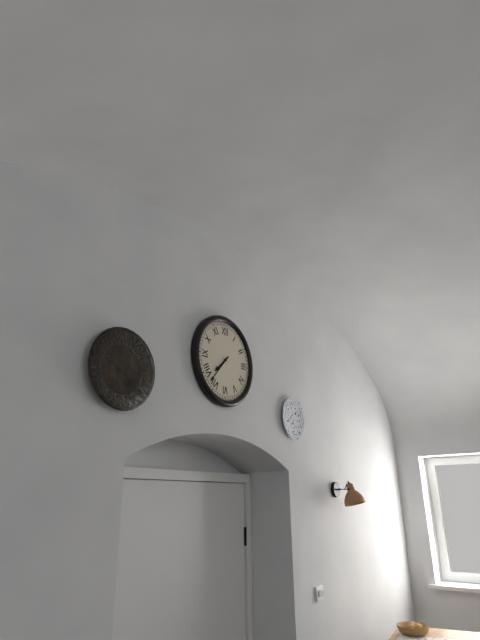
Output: 7h37
